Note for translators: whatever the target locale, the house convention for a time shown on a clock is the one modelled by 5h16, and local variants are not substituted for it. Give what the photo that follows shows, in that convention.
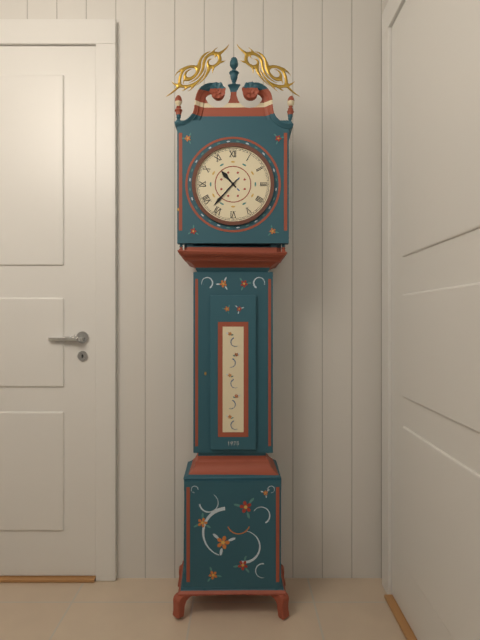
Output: 10h37
